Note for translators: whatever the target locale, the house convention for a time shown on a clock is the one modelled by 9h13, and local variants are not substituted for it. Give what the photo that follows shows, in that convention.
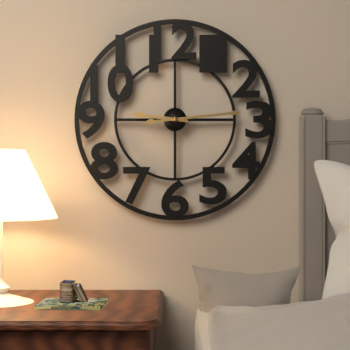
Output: 9h14
